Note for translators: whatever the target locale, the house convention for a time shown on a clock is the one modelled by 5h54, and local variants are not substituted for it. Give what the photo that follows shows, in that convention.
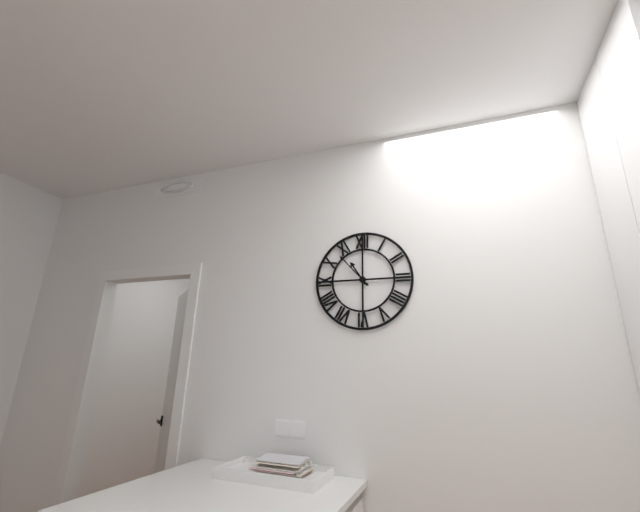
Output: 10h53
